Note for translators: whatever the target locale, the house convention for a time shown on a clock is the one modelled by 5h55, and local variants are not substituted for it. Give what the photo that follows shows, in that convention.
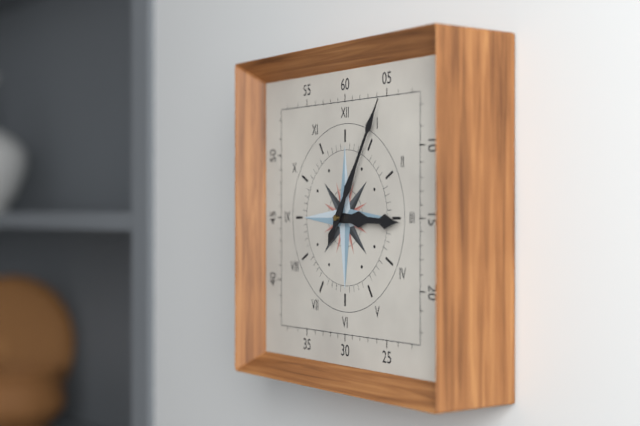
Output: 3h05
